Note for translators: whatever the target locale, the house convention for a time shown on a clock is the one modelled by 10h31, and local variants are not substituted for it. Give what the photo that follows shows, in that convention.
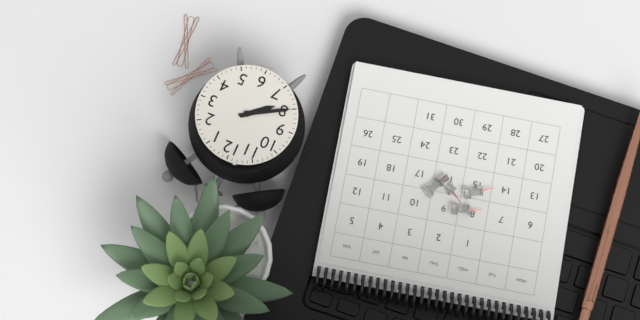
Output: 7h40
